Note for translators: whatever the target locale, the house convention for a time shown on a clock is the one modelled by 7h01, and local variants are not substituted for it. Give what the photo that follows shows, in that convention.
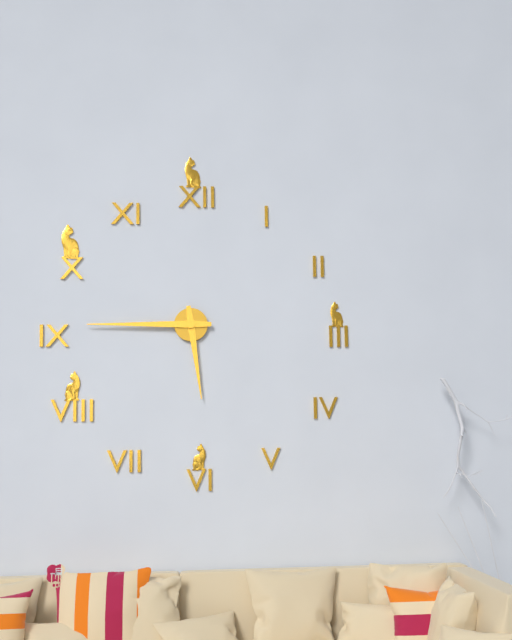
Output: 5h45
